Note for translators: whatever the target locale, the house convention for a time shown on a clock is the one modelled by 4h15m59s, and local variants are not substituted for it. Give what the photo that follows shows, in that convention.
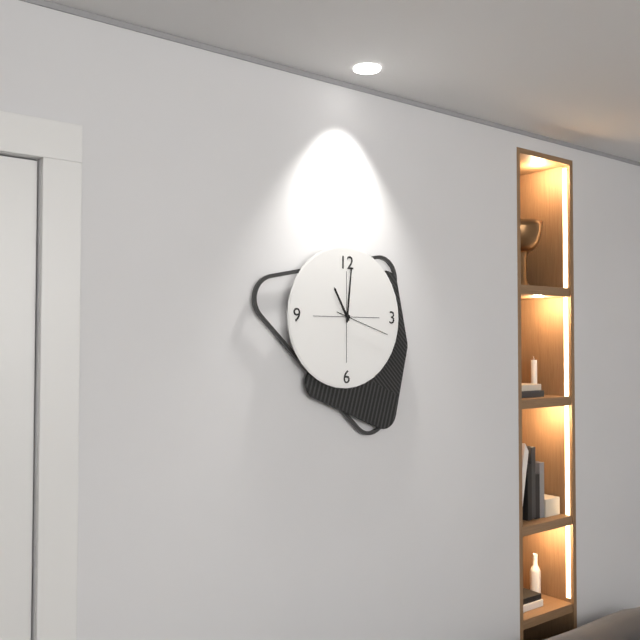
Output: 11h01m18s
